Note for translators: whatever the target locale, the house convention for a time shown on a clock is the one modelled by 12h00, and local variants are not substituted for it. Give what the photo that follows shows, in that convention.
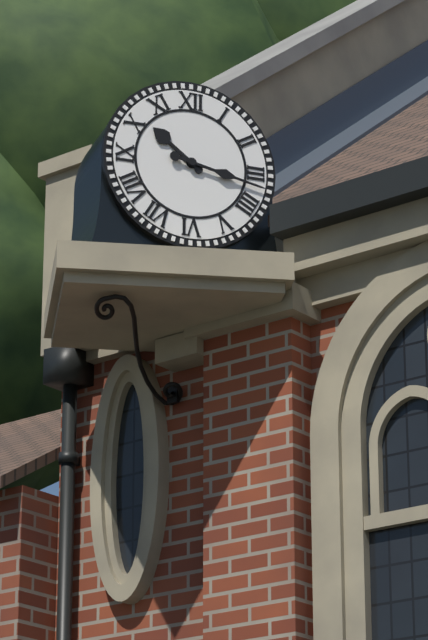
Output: 10h17
